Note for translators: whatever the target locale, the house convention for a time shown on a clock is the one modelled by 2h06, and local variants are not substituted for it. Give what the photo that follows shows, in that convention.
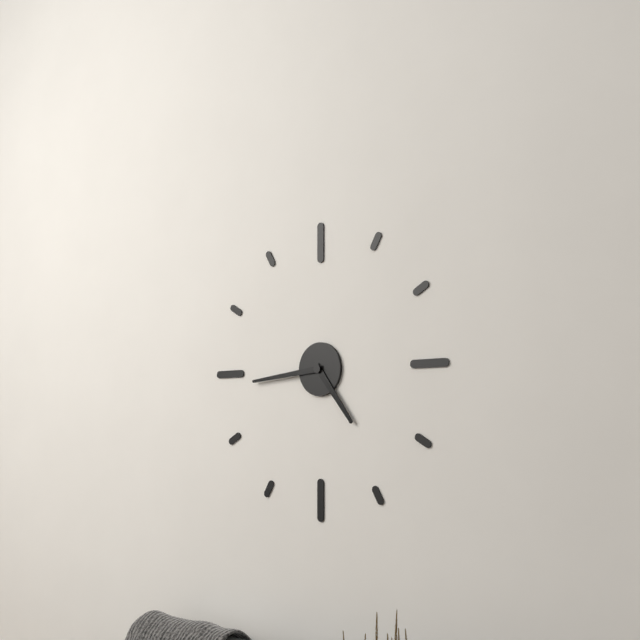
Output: 4h44
